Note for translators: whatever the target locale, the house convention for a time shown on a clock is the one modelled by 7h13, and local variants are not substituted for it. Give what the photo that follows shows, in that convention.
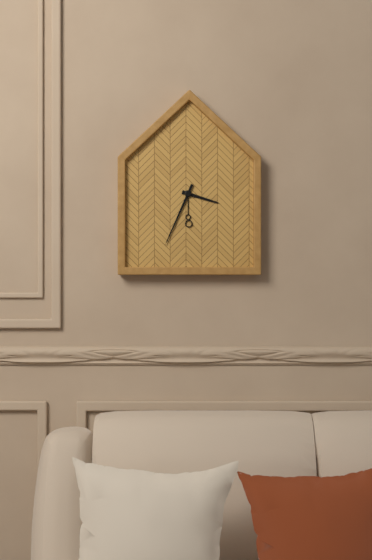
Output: 3h34
